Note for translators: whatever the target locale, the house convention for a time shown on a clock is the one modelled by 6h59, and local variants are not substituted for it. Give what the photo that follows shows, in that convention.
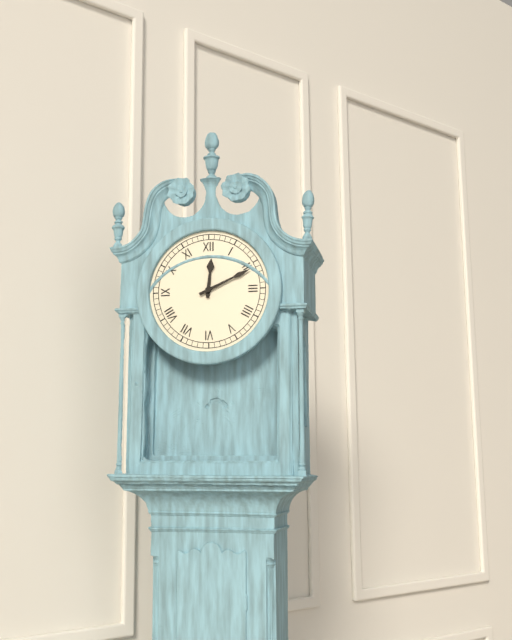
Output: 12h11
